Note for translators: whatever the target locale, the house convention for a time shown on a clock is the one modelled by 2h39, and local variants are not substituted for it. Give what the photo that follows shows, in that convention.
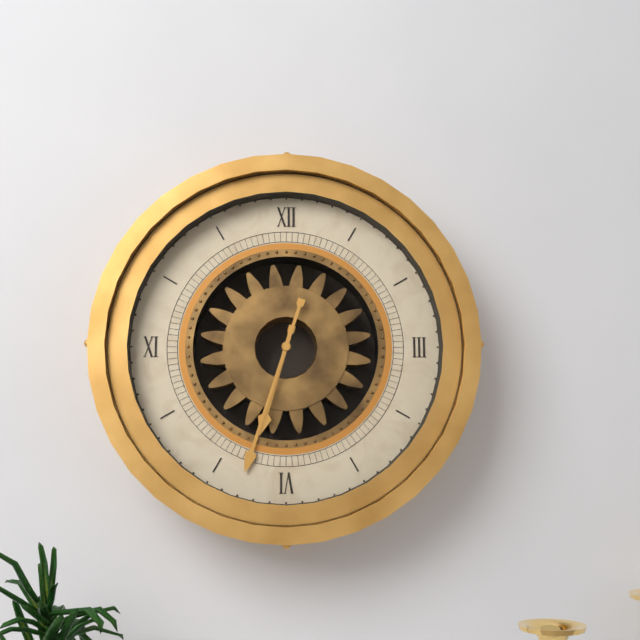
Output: 6h33
